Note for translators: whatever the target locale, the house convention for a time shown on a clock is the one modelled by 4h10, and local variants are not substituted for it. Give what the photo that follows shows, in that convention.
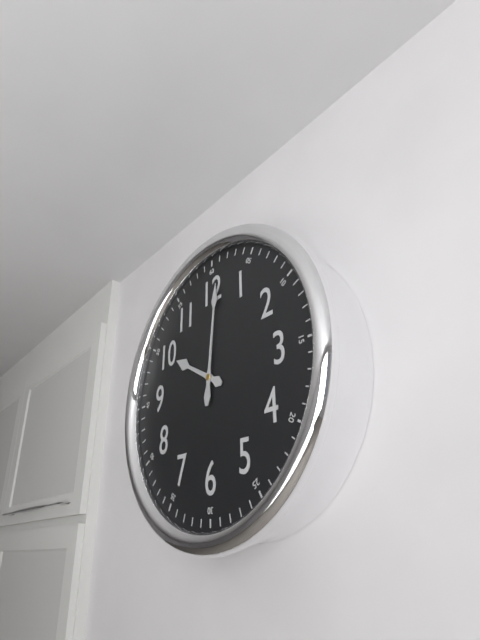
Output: 10h01
